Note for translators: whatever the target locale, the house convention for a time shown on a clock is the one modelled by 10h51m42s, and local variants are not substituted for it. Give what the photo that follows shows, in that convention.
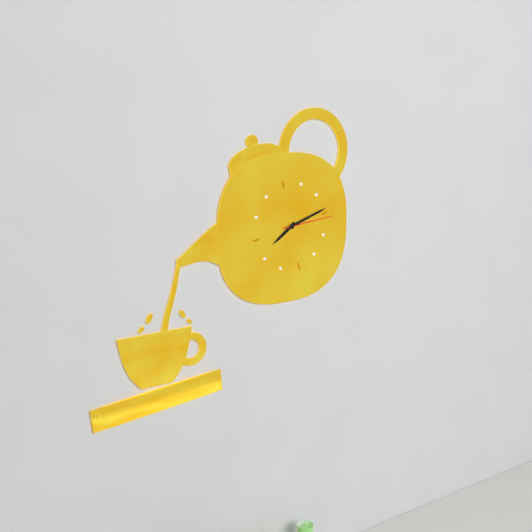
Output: 8h14m16s
